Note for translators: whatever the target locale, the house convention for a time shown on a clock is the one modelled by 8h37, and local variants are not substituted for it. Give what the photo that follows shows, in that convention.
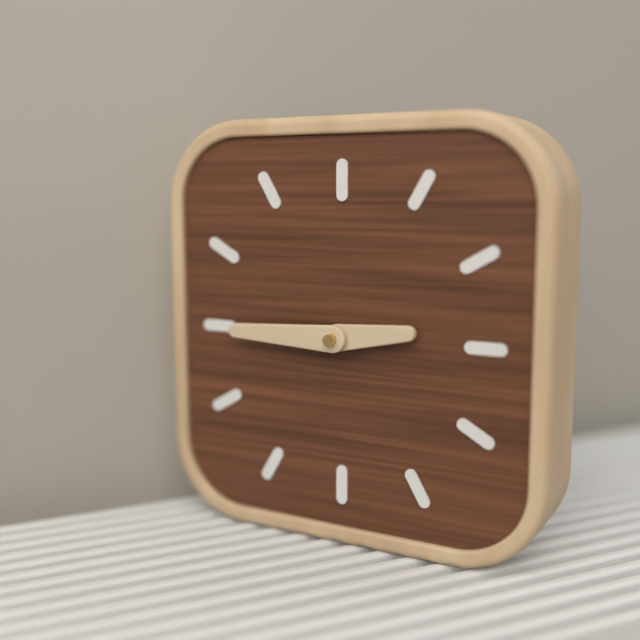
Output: 2h45
